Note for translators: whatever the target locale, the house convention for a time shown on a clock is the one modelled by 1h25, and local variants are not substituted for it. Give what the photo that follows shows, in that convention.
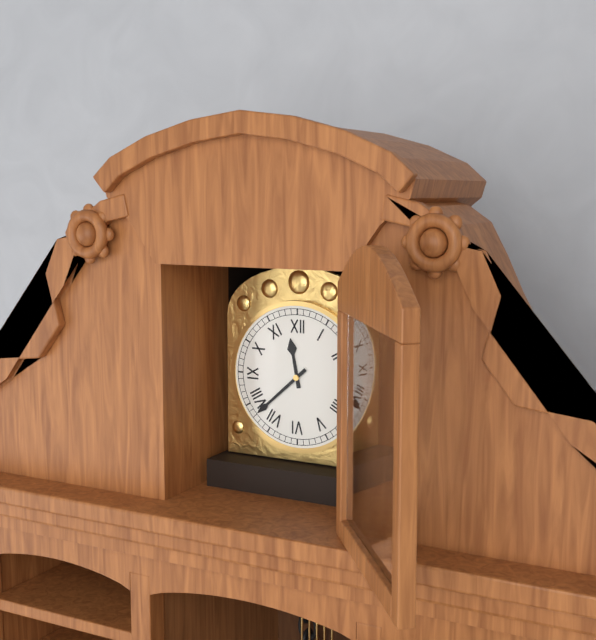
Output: 11h38
